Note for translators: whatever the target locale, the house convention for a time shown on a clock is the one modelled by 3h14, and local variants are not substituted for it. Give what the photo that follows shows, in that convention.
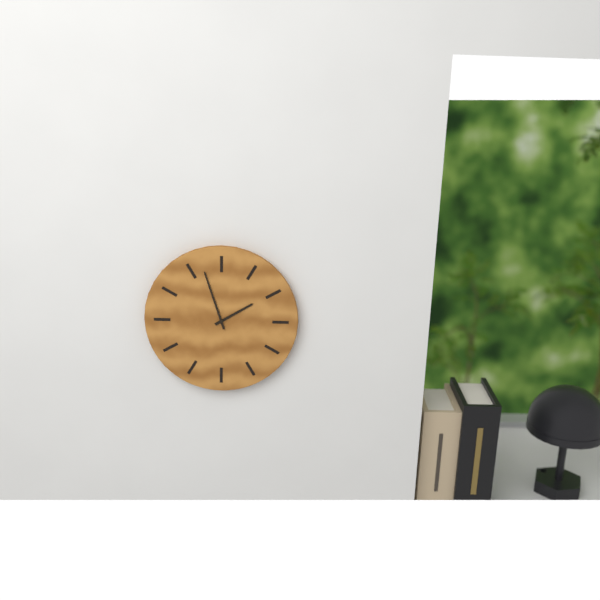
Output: 1h57
